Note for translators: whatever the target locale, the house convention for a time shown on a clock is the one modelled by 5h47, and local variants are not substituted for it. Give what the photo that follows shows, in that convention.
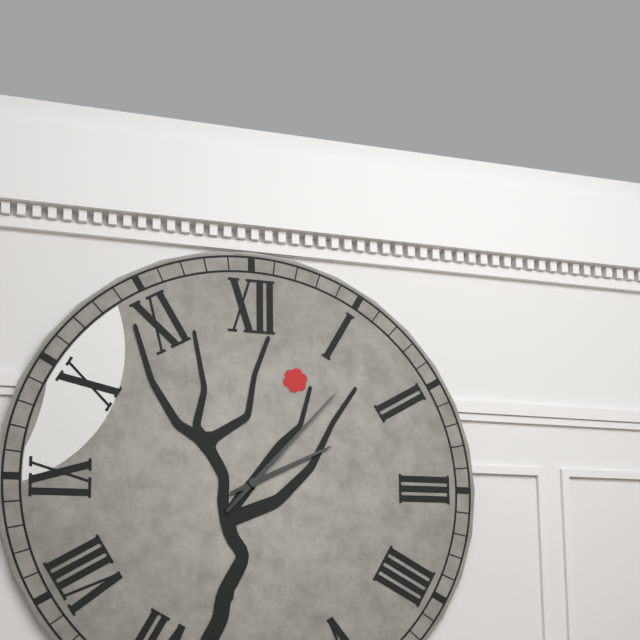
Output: 2h07
